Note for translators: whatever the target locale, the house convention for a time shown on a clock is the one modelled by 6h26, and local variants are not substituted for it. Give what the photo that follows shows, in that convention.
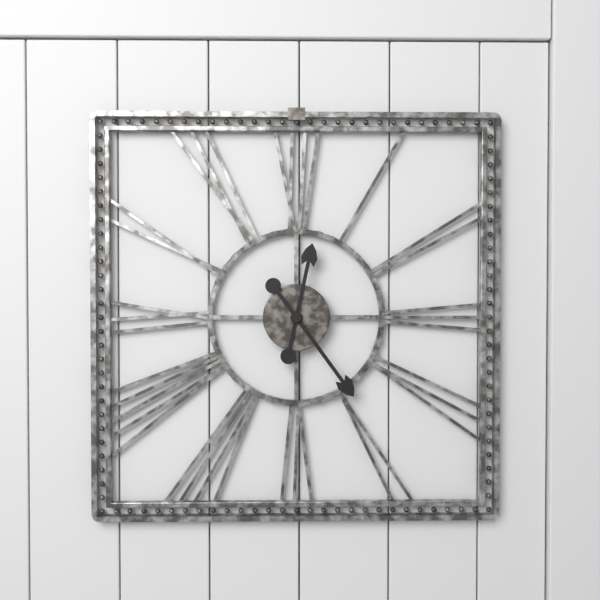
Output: 12h24
